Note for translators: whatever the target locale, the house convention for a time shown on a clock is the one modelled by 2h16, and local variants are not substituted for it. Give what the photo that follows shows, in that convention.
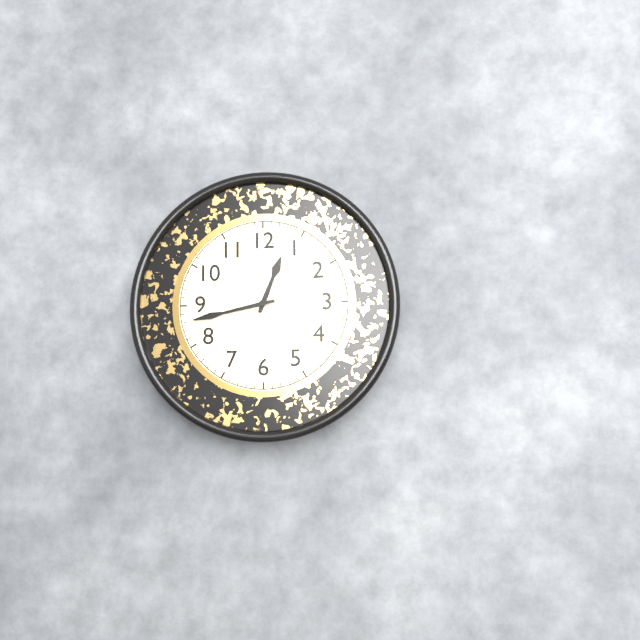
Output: 12h43
